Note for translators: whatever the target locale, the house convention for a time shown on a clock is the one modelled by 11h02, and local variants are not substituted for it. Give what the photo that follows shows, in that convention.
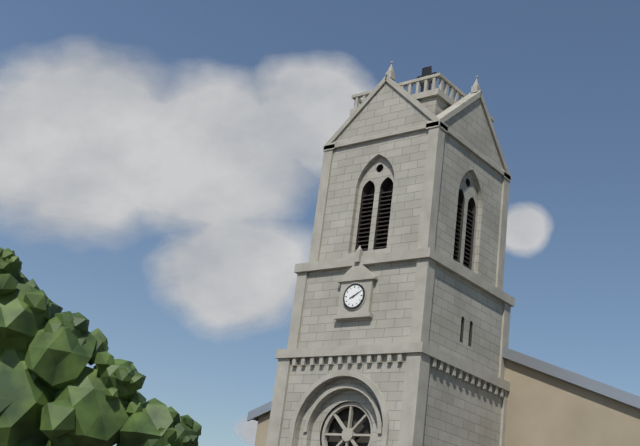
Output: 8h10
